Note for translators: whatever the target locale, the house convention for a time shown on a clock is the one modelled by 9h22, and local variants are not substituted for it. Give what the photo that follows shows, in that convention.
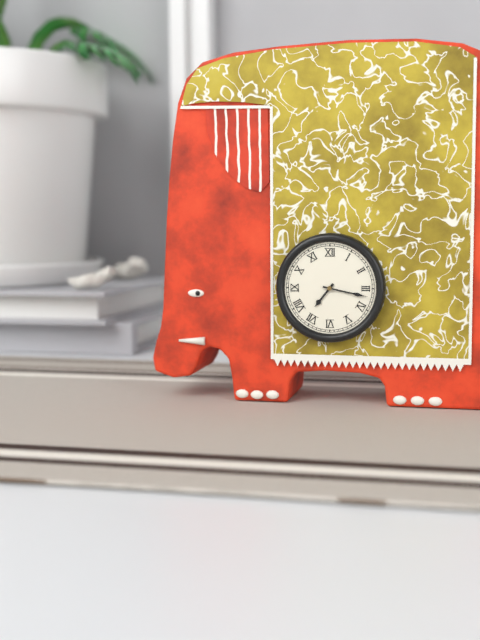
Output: 7h17
